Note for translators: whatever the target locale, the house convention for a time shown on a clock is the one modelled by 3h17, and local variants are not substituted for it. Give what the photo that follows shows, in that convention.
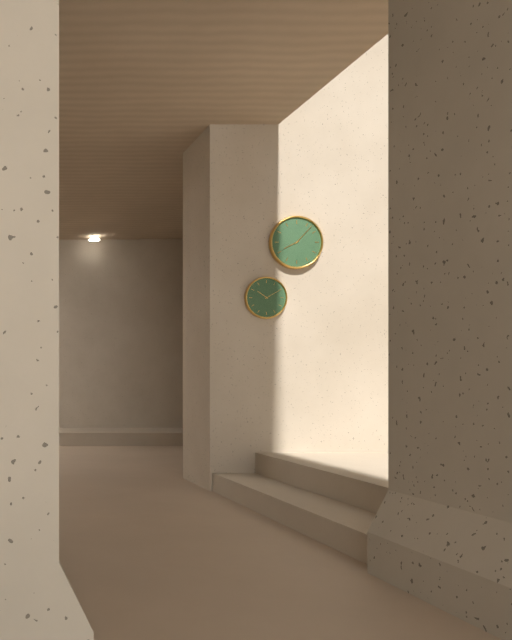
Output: 8h07
